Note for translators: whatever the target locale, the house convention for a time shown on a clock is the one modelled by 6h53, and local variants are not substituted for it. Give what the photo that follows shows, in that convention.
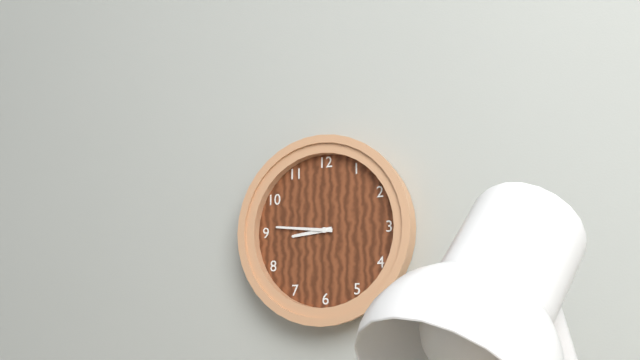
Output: 8h46
